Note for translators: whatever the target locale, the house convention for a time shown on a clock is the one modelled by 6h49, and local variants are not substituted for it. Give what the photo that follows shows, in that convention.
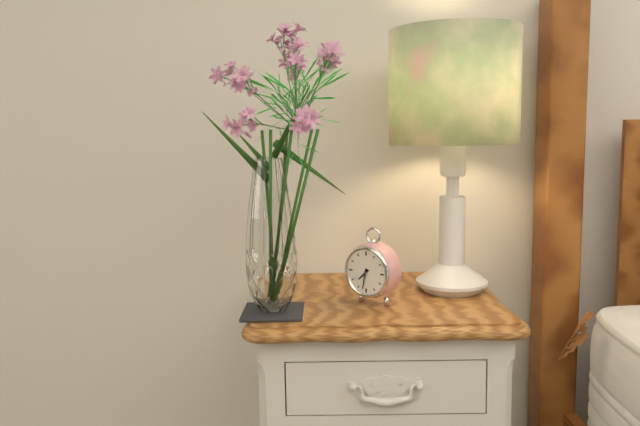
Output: 7h32
